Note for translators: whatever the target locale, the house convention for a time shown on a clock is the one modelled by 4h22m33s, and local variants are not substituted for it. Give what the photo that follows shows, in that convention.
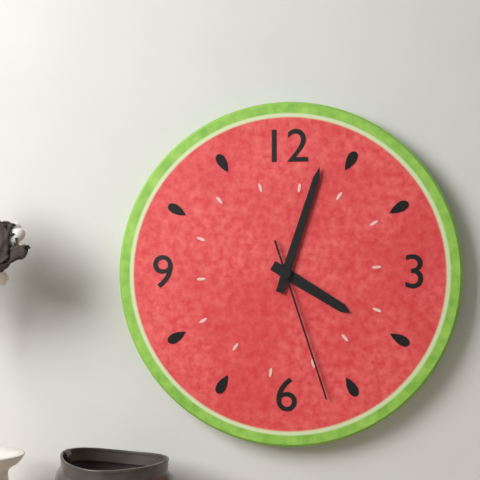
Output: 4h03m27s
